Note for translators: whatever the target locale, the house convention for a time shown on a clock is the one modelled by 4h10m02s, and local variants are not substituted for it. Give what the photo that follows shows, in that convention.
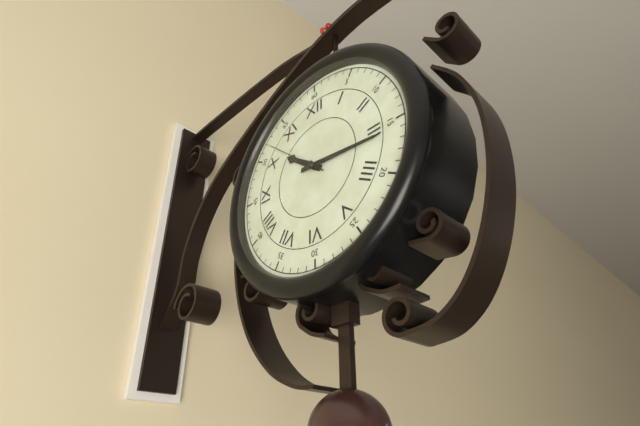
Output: 10h16m52s
